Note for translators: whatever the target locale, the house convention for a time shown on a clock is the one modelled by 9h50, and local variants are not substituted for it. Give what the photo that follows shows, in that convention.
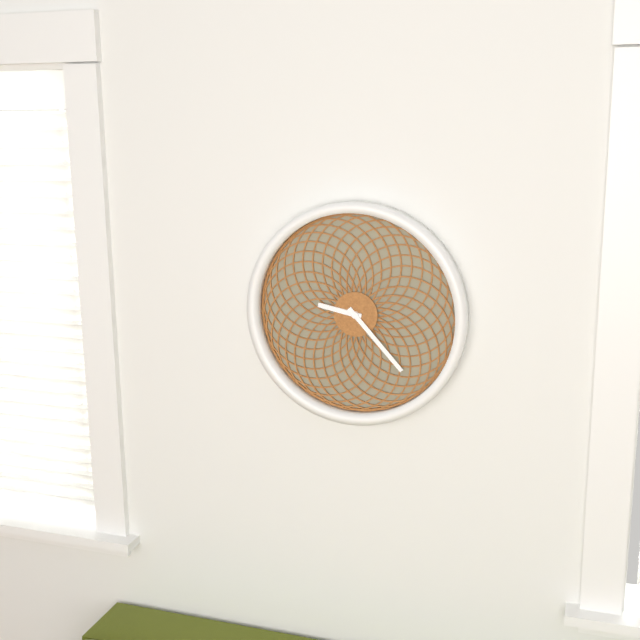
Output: 9h23
